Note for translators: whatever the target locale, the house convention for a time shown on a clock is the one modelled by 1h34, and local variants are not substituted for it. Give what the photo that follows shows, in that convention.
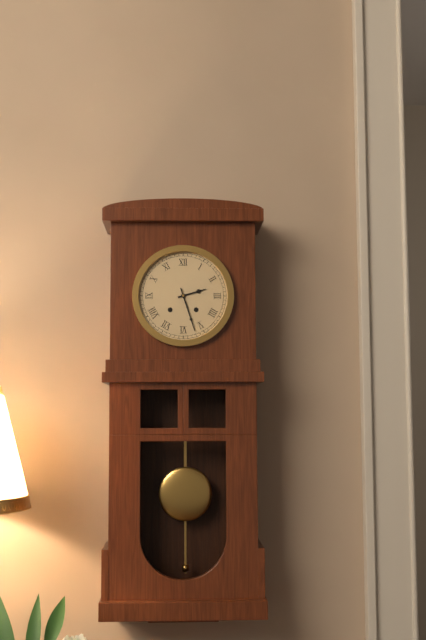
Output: 2h27
